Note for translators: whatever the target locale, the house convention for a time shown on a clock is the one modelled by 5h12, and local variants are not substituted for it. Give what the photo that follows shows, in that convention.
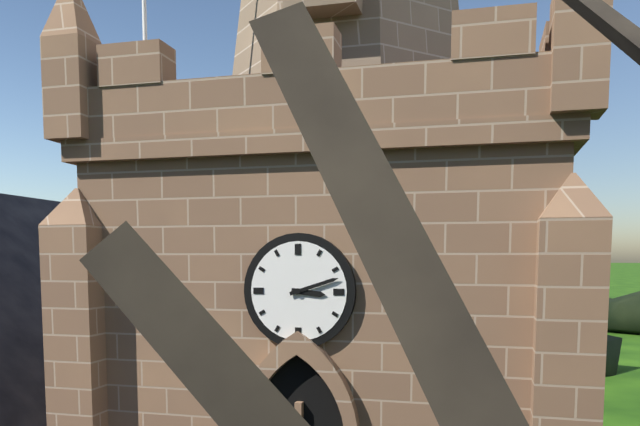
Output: 3h12
